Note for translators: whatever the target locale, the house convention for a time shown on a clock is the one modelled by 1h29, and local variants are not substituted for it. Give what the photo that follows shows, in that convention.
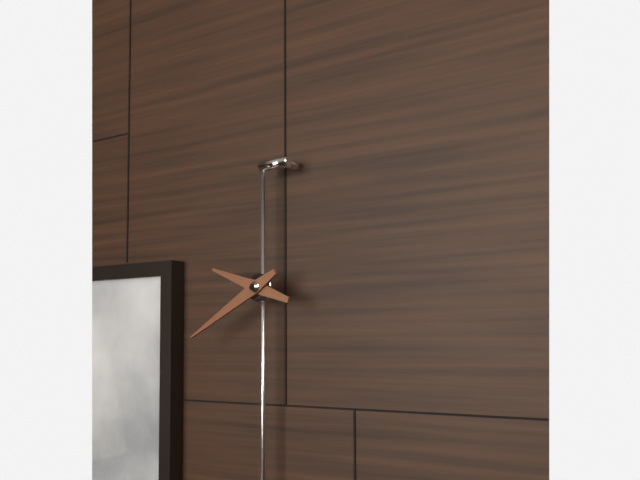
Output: 9h40
